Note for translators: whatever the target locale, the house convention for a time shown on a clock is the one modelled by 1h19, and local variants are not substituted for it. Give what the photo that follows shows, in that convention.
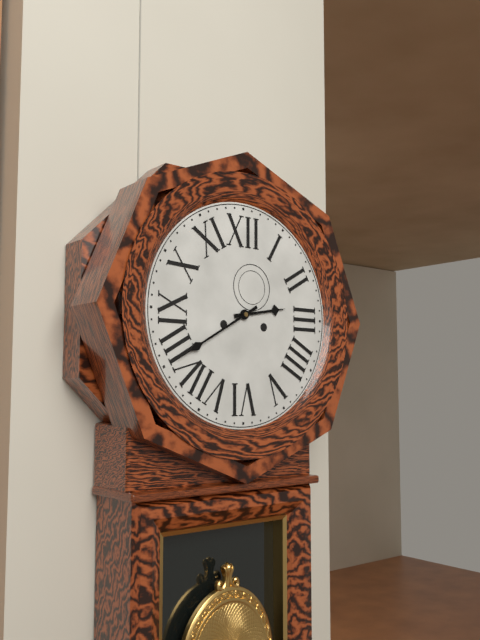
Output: 2h40
